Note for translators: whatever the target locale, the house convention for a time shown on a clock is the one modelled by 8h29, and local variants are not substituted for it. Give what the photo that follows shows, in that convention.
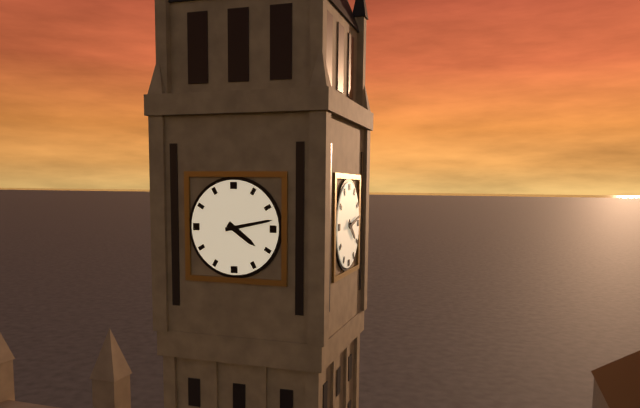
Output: 4h13
